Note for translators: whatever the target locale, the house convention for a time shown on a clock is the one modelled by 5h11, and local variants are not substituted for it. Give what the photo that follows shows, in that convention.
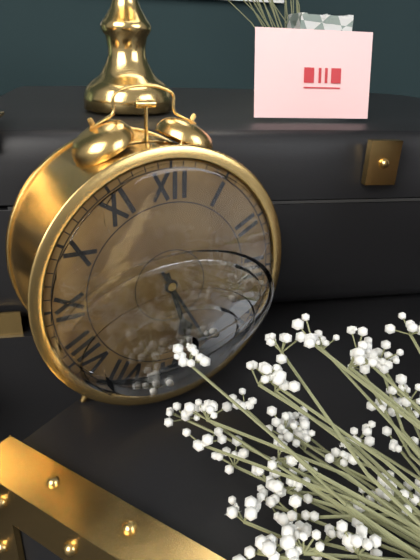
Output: 5h25
